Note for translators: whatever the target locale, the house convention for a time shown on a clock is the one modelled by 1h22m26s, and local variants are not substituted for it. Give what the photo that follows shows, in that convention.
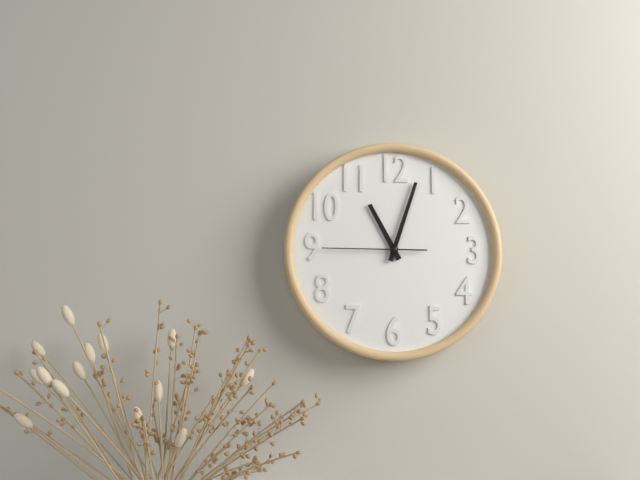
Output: 11h03m45s
